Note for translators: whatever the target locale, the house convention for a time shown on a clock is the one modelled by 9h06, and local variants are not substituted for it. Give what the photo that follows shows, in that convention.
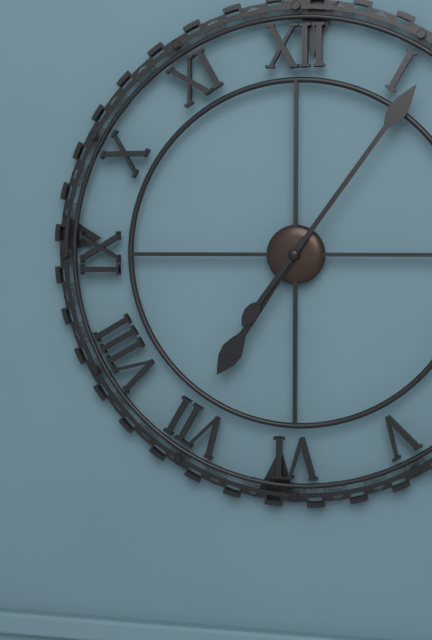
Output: 7h06
